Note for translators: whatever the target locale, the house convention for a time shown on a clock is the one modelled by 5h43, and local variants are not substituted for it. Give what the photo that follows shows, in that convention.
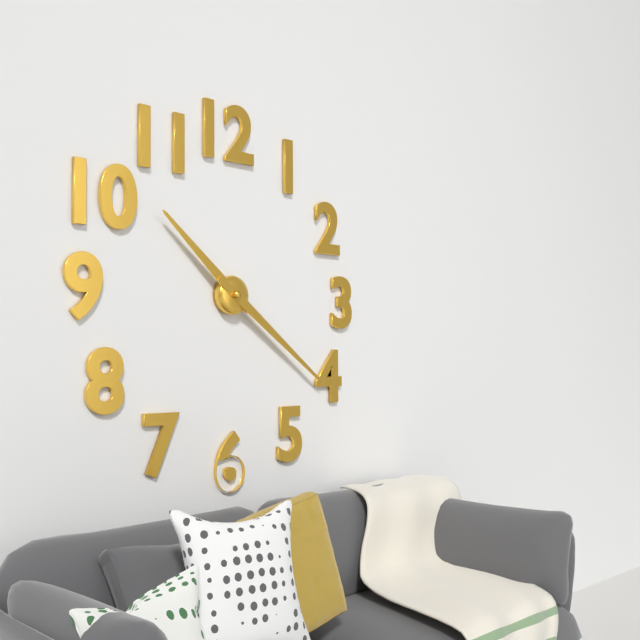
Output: 10h21
